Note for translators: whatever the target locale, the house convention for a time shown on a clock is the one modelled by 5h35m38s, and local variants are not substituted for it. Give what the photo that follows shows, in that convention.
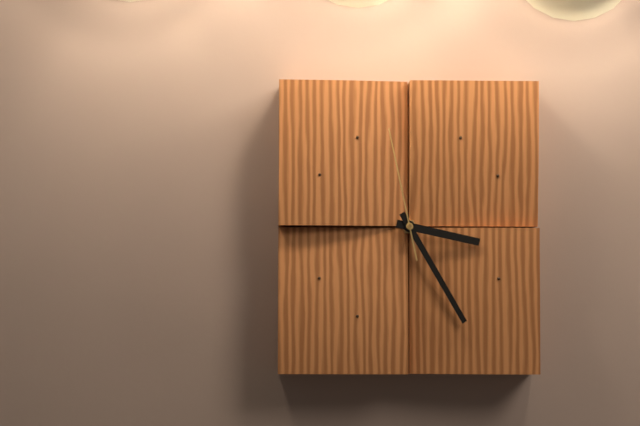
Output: 3h25m58s
